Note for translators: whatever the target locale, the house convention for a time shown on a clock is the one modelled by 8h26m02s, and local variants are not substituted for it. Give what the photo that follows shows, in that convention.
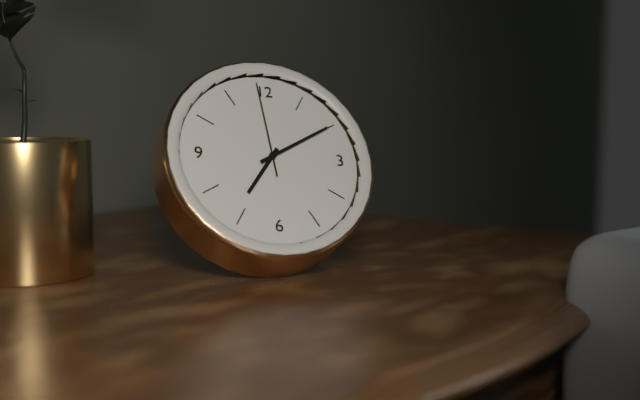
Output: 7h10m59s
